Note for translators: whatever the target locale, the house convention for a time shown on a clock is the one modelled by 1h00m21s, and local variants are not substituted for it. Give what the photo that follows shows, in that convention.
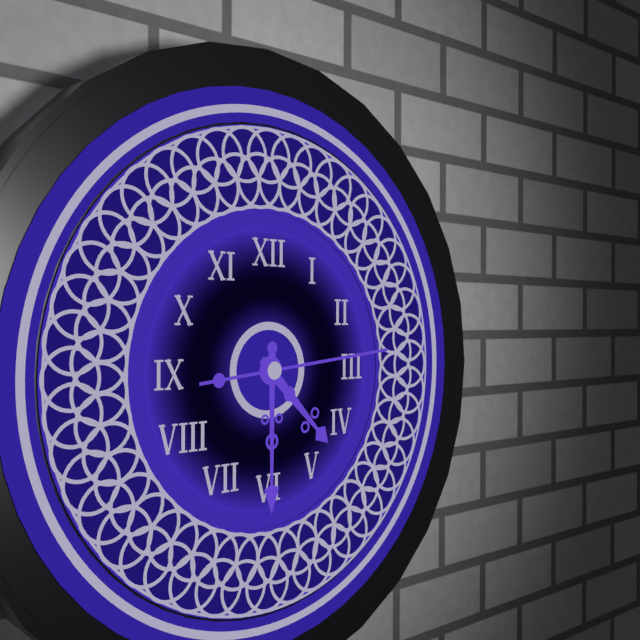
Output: 4h30m14s
